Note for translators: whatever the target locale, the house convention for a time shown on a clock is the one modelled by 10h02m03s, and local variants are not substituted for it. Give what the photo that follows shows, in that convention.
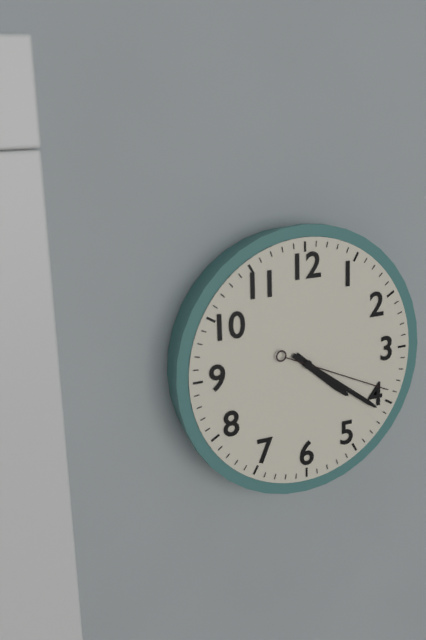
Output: 4h21m19s
